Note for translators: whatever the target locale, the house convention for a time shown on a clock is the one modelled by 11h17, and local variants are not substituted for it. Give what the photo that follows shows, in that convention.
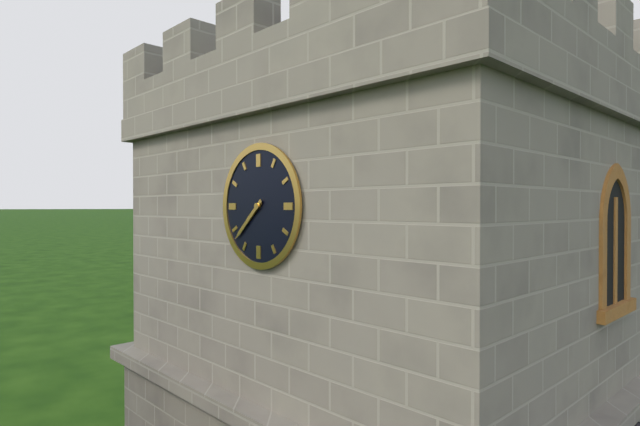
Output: 7h38
